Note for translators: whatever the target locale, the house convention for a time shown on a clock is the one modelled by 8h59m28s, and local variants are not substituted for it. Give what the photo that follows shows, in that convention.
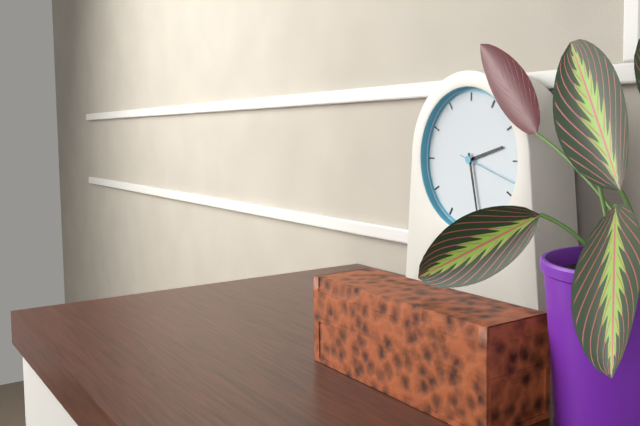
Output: 2h28m18s
